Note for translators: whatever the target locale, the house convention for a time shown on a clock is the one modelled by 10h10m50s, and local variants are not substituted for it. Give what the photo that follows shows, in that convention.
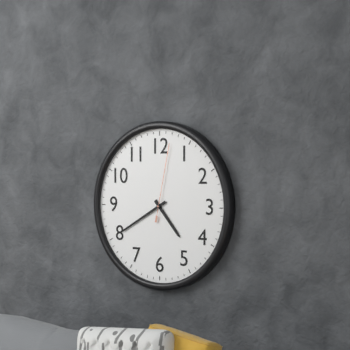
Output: 4h40m02s
